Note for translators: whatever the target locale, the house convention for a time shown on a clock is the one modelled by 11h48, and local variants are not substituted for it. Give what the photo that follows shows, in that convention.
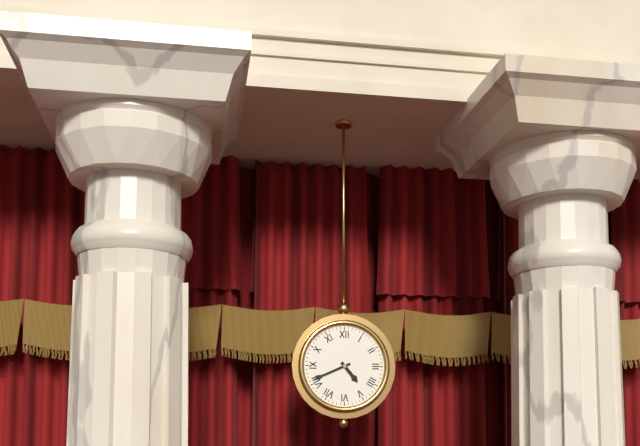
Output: 4h41
